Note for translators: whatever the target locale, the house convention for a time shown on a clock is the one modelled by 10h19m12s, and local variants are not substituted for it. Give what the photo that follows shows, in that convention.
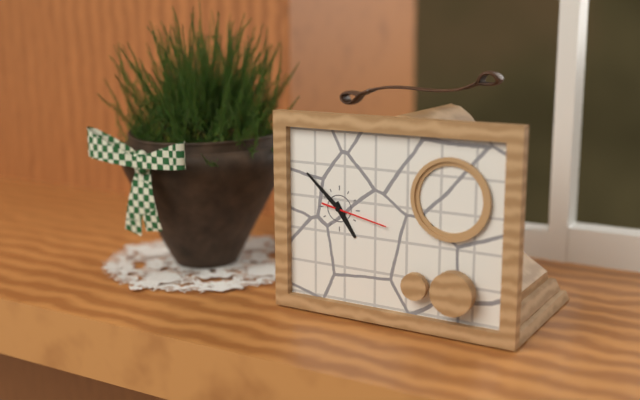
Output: 4h52m17s
